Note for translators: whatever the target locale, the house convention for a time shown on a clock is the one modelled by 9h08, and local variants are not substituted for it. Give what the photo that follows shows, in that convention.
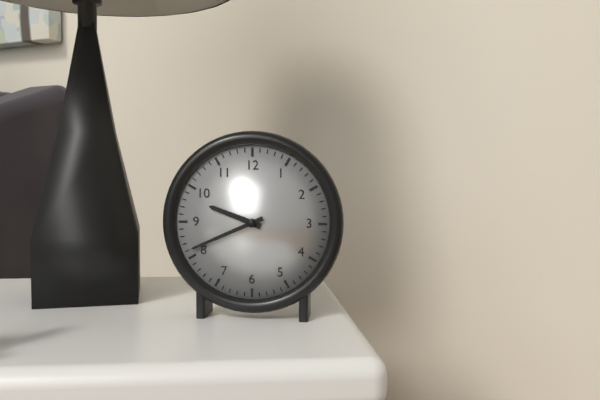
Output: 9h41
